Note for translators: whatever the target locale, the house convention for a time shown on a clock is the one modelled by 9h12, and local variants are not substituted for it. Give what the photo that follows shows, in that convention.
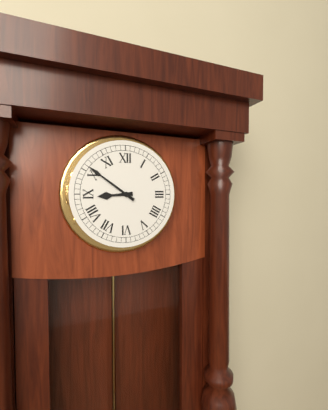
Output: 8h51
